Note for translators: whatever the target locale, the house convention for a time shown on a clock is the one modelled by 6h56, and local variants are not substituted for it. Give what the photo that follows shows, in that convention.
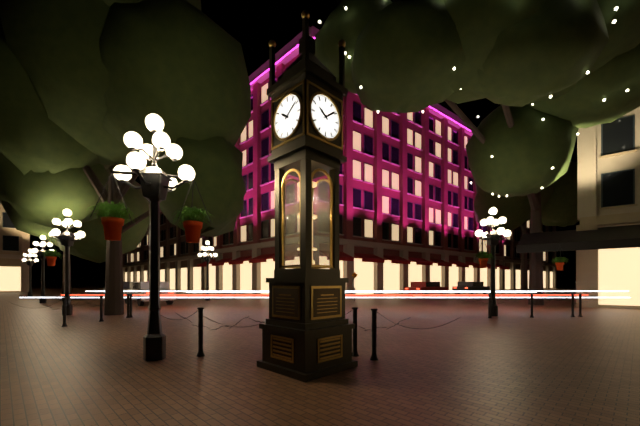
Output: 10h09
